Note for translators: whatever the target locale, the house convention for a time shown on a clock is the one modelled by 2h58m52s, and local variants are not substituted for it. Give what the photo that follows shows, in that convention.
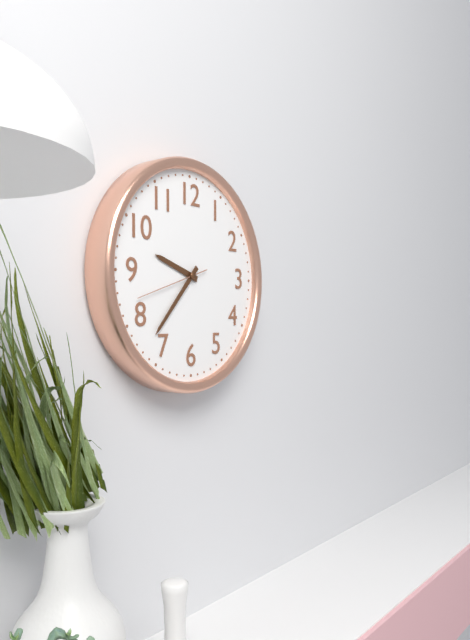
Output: 9h37m42s
